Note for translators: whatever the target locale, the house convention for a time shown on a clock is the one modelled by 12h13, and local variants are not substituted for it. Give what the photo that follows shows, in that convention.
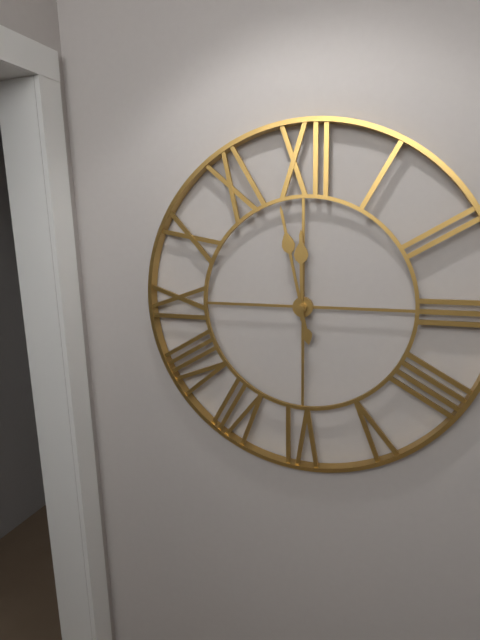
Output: 11h58
